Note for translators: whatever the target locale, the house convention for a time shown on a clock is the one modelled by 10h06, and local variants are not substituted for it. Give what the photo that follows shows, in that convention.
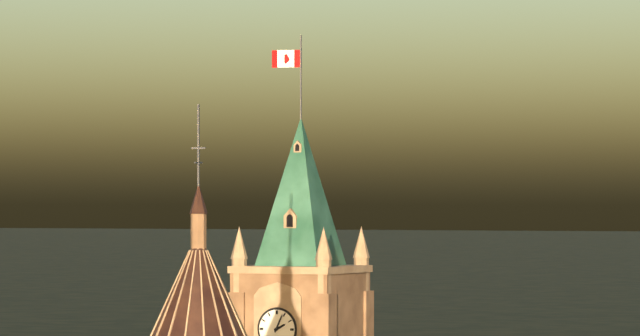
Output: 2h04
